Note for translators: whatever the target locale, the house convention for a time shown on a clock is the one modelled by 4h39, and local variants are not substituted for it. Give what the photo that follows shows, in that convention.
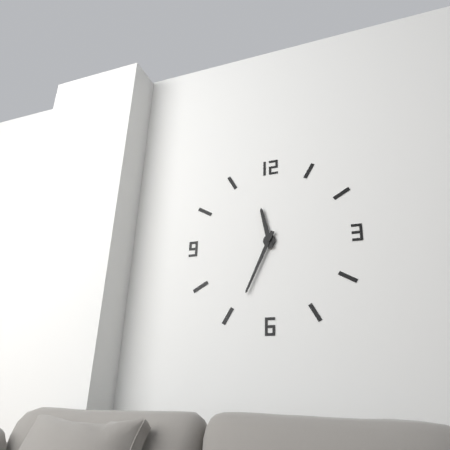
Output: 11h34
